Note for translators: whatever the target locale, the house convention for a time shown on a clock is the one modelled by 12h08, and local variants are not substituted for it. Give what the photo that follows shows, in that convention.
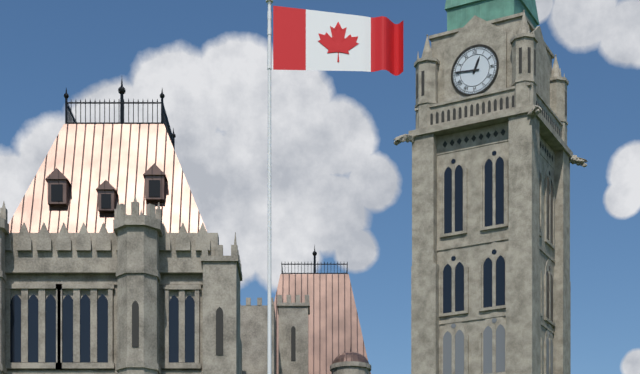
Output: 12h46
